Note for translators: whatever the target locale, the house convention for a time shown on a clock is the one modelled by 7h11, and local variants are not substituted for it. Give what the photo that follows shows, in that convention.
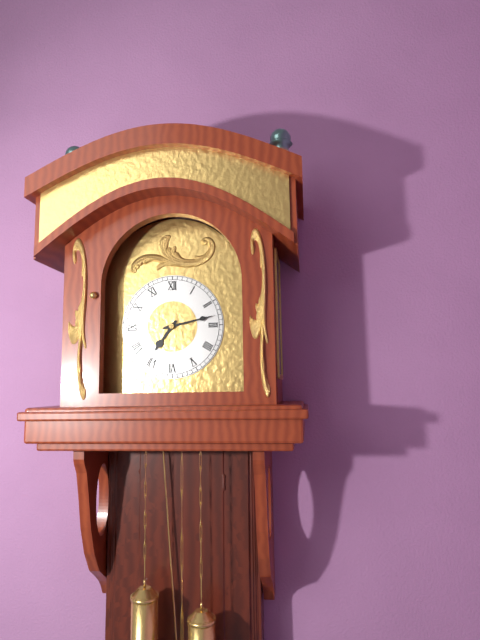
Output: 7h13
